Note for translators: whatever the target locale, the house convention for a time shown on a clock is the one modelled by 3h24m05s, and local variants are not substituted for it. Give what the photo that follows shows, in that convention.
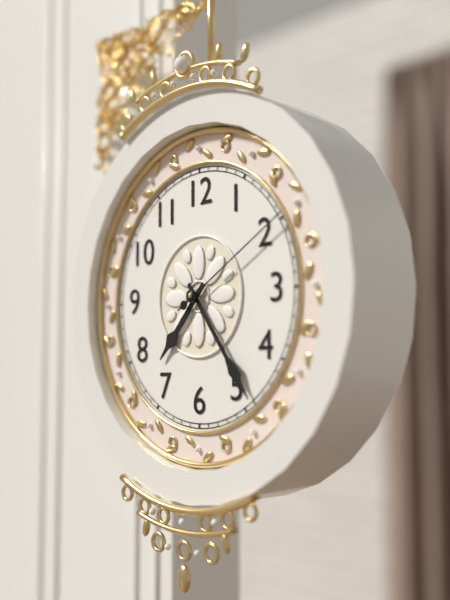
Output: 7h24m10s
